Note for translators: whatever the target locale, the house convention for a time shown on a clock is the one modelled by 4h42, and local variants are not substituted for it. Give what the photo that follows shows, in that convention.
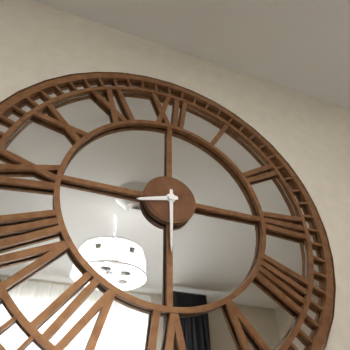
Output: 8h30
